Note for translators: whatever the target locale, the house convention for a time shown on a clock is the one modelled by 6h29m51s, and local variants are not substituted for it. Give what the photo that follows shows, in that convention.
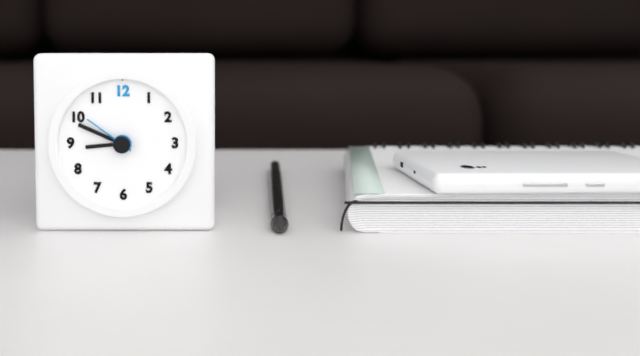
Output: 8h49m51s
